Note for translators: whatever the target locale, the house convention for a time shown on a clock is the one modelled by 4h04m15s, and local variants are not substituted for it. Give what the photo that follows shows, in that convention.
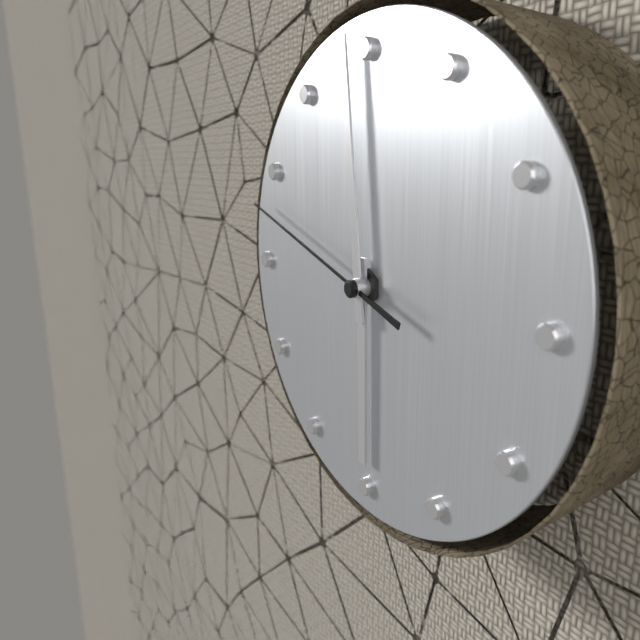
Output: 5h59m48s
